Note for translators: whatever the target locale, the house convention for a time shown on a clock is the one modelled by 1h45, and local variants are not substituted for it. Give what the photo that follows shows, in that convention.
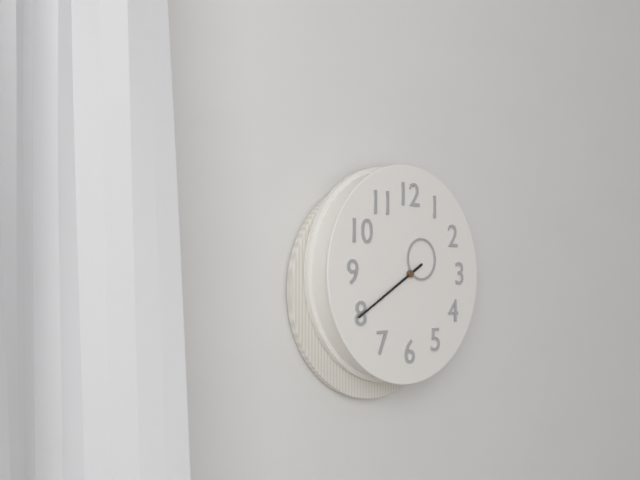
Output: 1h40
